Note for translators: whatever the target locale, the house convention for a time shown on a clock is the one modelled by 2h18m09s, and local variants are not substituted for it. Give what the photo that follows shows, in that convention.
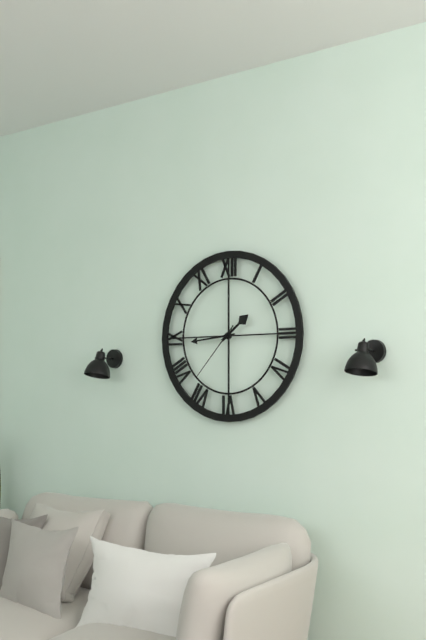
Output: 1h44m37s
